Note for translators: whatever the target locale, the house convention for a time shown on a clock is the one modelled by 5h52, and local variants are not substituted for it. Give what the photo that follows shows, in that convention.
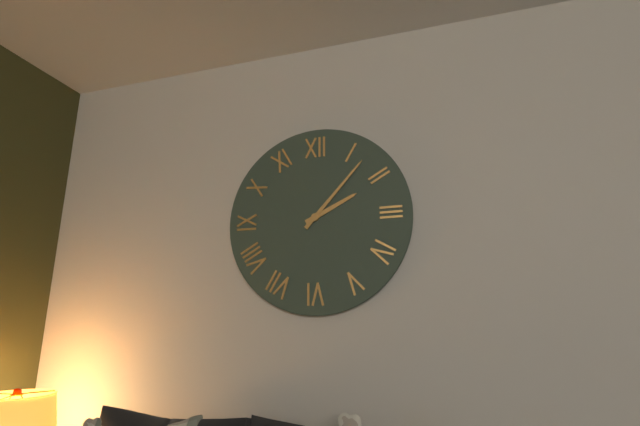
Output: 2h07
